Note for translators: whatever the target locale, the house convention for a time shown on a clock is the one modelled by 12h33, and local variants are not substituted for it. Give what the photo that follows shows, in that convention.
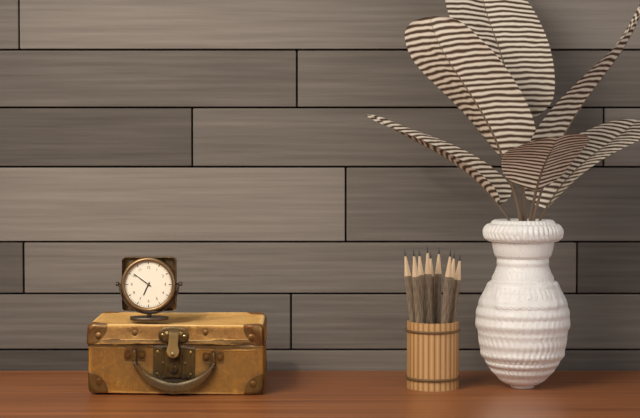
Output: 6h51
